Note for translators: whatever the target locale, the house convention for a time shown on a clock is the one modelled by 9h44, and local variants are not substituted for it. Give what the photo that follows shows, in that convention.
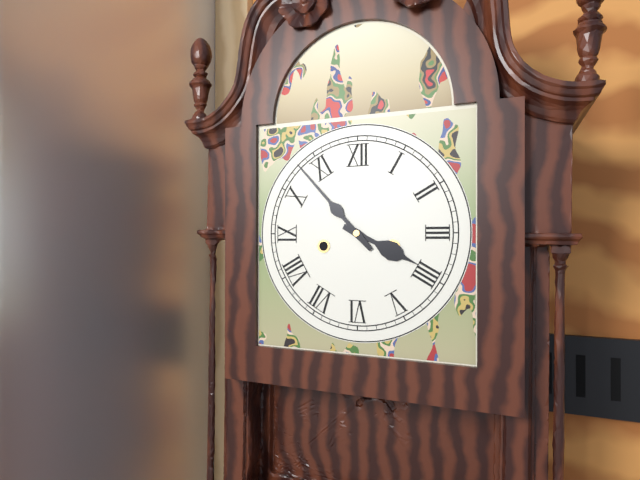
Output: 3h53
